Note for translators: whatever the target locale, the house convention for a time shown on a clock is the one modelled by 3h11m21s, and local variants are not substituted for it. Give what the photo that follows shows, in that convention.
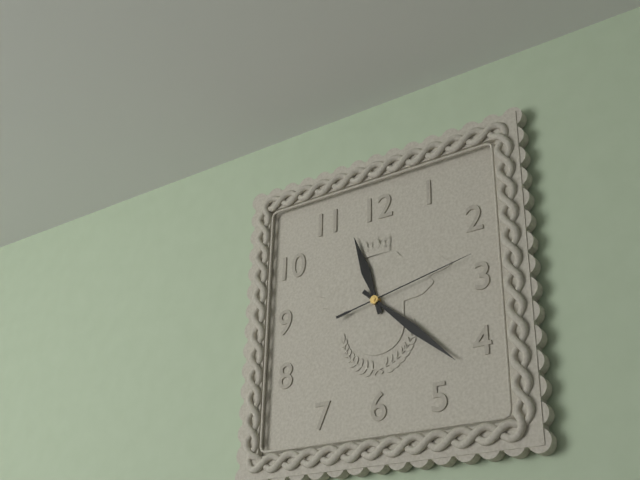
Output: 11h22m13s
